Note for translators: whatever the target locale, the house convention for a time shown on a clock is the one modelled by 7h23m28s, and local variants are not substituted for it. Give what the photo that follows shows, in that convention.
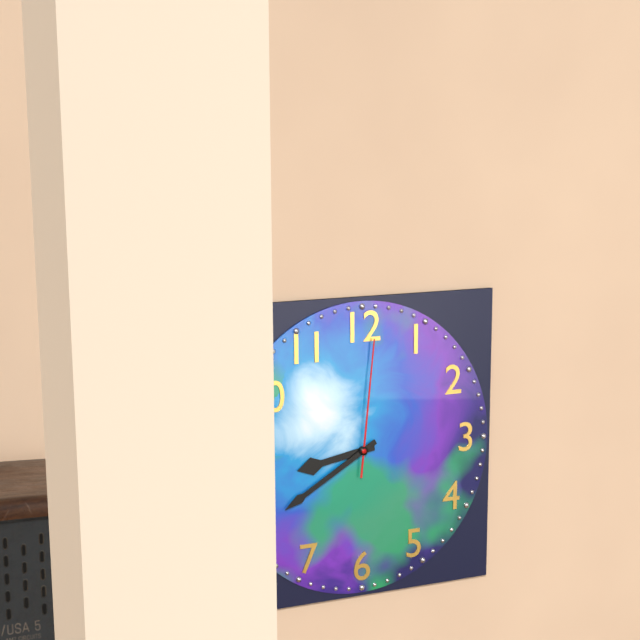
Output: 8h40m01s
